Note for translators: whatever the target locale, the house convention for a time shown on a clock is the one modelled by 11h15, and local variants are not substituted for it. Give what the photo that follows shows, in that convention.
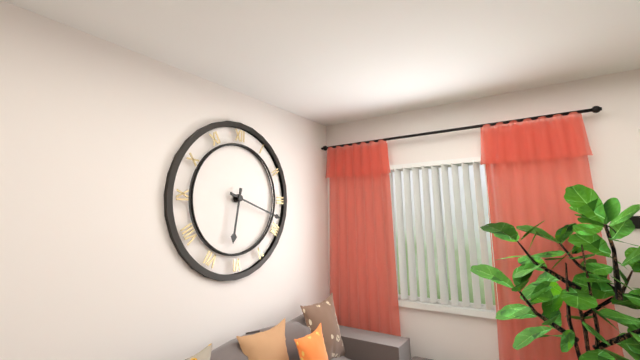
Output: 6h18
